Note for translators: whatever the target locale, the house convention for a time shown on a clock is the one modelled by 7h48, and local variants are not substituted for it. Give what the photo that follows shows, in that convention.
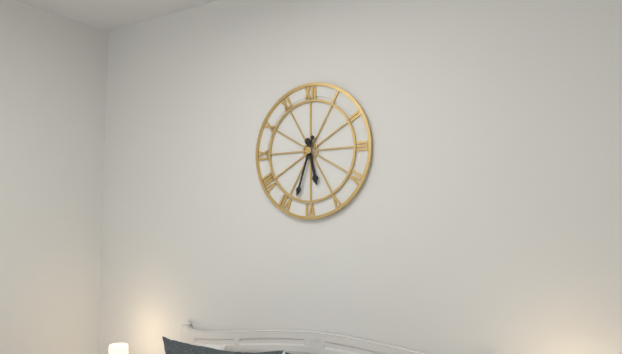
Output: 5h33
